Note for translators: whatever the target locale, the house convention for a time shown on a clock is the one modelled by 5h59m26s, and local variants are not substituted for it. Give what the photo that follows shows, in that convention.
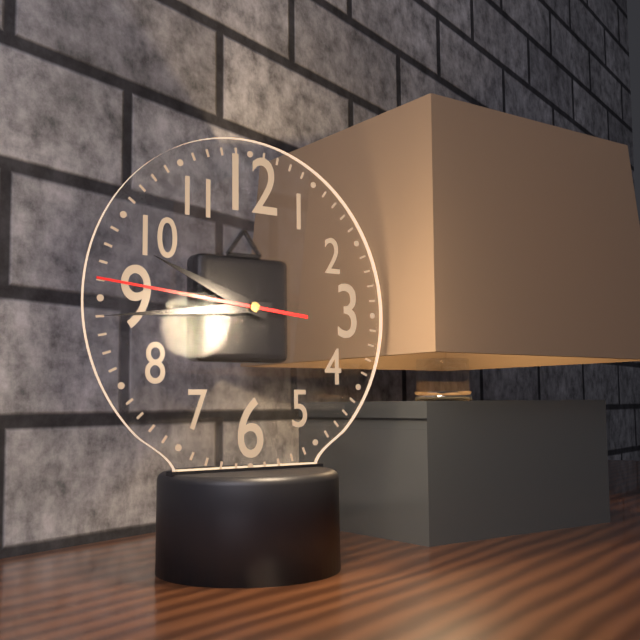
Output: 9h44m46s
